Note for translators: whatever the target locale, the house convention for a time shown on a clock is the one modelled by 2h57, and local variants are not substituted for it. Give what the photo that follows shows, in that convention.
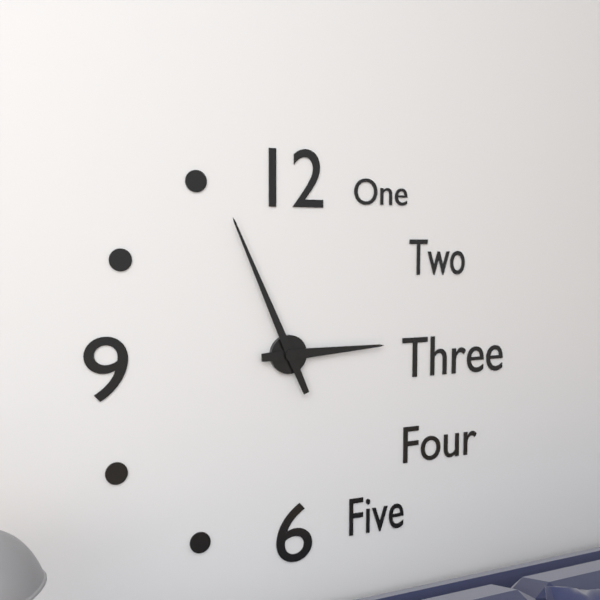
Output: 2h56
